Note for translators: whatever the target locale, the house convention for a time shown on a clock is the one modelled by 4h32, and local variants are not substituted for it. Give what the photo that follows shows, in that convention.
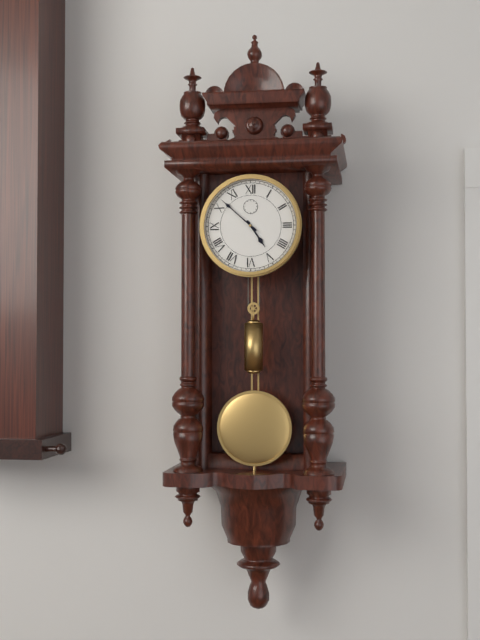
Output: 4h52
